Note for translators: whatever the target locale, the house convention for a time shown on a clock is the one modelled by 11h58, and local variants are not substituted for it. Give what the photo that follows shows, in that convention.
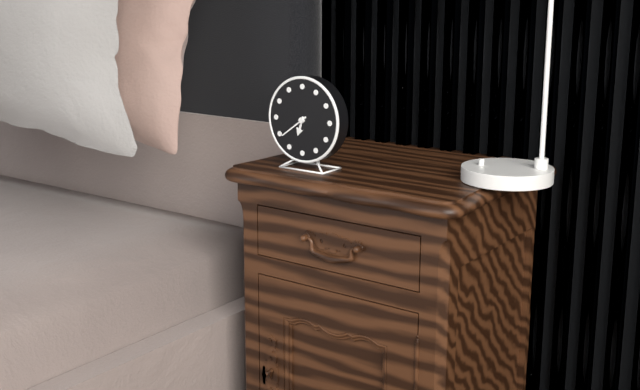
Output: 6h39
